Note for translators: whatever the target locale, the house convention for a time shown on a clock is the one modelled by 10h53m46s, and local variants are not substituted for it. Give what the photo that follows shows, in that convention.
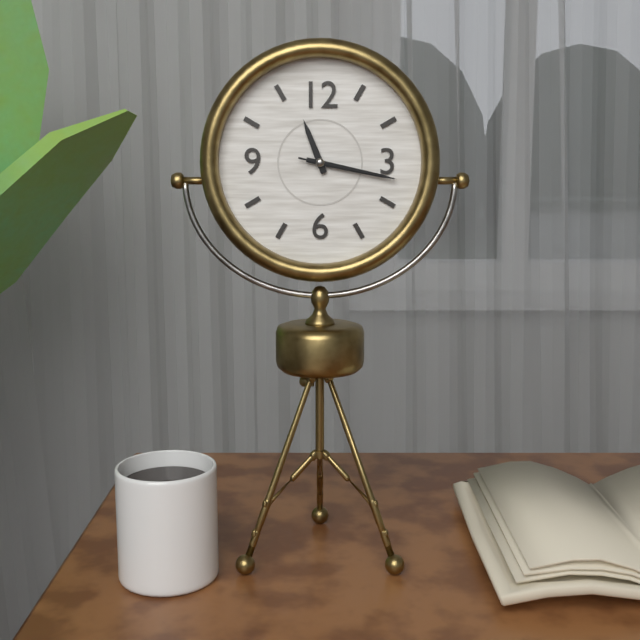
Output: 11h17m17s
